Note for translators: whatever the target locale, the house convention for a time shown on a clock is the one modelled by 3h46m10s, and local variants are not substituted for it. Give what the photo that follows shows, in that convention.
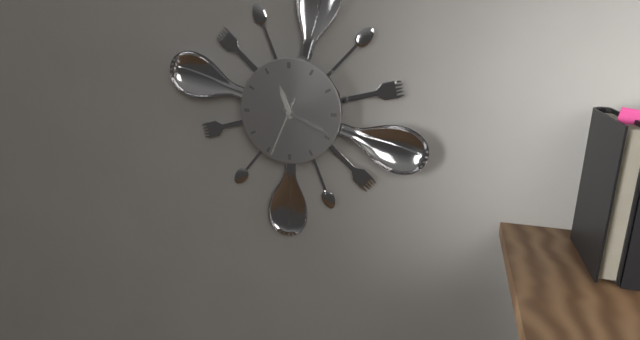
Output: 11h19m34s
